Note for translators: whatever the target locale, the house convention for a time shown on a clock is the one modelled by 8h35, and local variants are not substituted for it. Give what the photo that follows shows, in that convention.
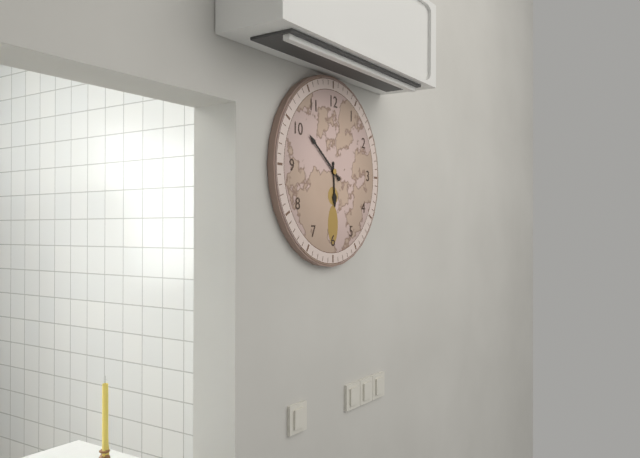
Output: 5h51
